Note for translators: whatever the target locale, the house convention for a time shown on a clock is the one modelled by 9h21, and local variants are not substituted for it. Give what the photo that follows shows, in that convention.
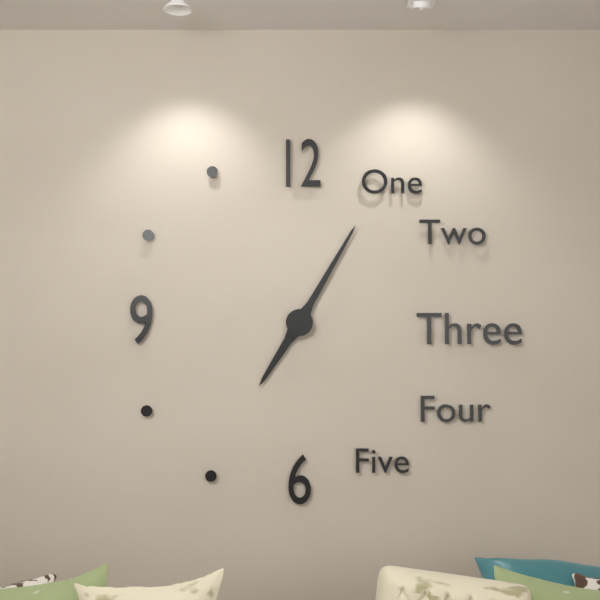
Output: 7h05
